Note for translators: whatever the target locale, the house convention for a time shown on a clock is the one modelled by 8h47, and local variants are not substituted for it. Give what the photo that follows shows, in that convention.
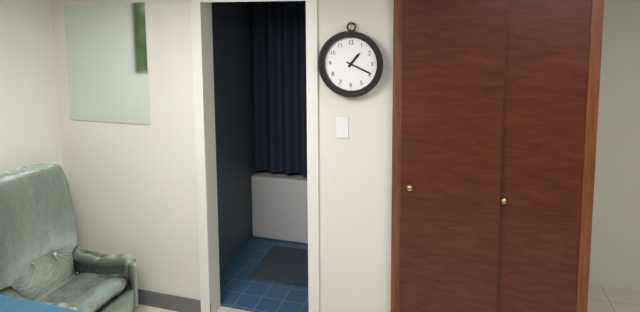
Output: 1h19
